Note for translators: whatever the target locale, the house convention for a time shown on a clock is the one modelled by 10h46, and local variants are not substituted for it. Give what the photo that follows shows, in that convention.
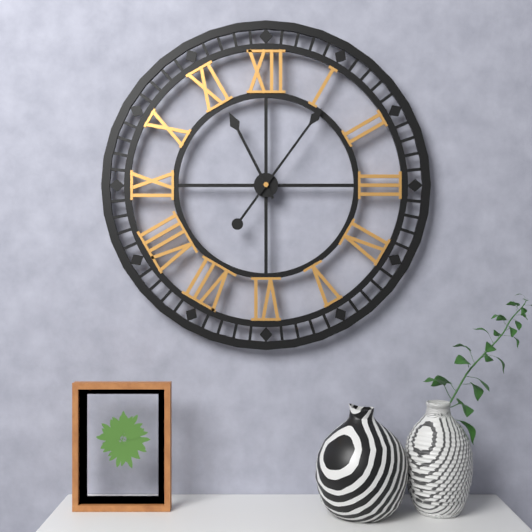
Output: 11h06
